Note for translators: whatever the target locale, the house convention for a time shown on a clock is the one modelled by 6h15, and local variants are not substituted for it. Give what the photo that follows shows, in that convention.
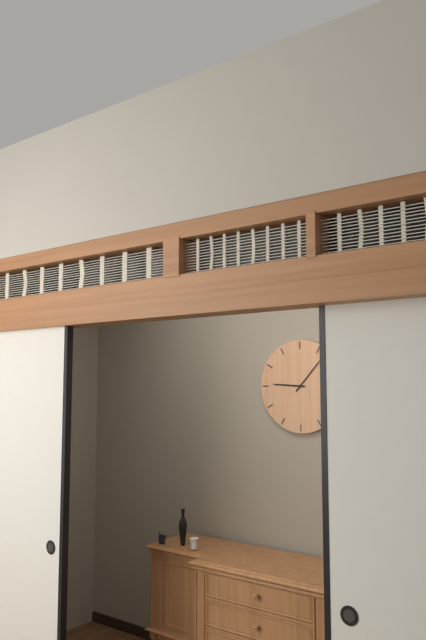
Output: 9h07
